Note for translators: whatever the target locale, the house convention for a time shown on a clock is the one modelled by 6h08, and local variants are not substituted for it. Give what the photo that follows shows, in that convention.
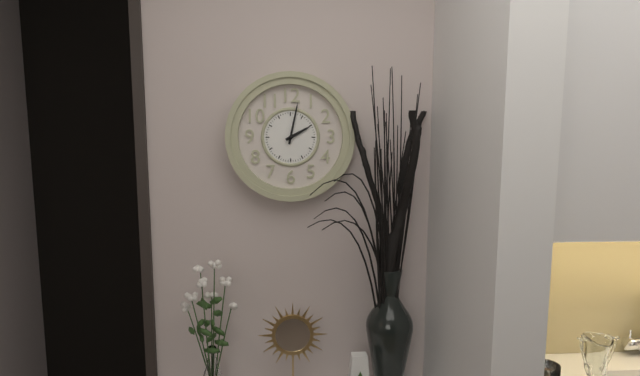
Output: 2h02
